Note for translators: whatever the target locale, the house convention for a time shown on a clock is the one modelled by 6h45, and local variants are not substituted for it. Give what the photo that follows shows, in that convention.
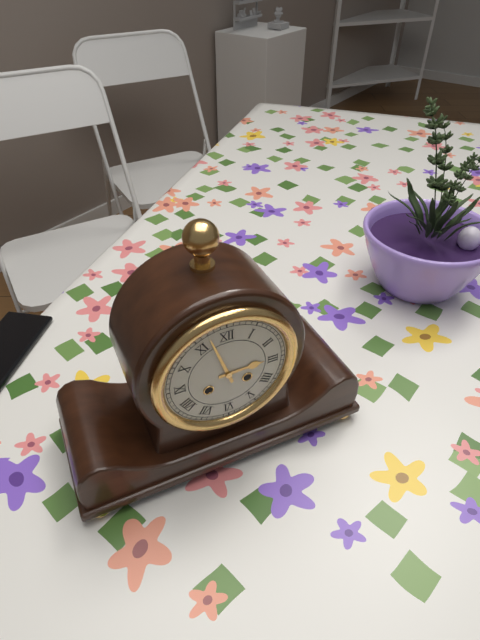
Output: 2h57
